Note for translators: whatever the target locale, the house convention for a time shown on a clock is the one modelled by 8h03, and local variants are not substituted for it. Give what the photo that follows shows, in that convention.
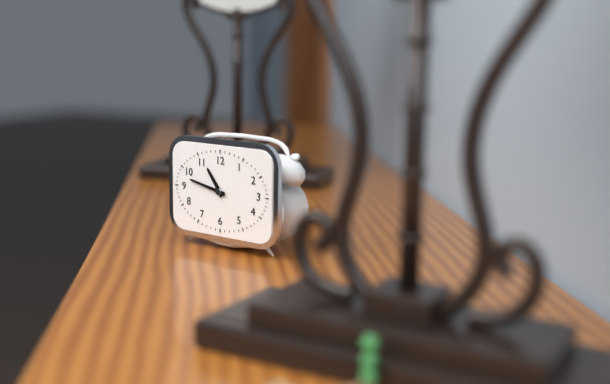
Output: 10h47
